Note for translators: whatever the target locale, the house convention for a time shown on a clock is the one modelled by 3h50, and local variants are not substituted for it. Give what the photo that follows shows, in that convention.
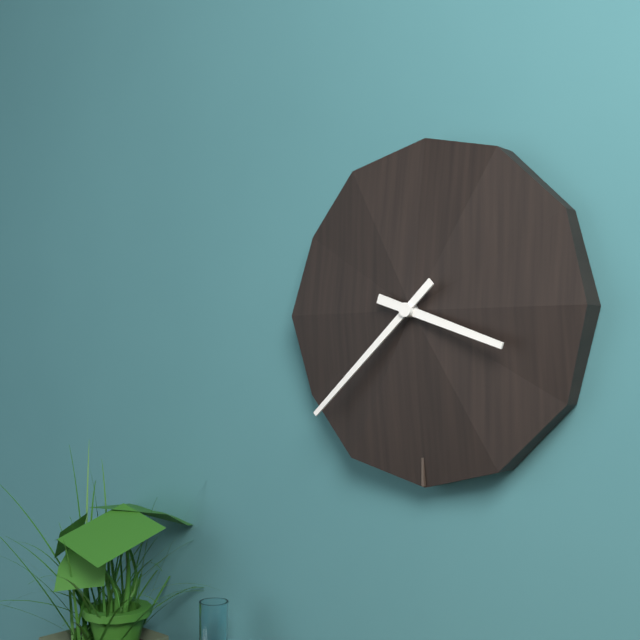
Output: 3h38
